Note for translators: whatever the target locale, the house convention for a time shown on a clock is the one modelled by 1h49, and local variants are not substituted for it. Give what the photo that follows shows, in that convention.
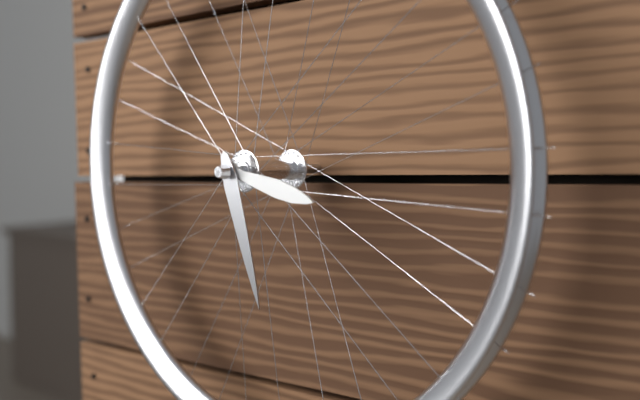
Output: 3h27
